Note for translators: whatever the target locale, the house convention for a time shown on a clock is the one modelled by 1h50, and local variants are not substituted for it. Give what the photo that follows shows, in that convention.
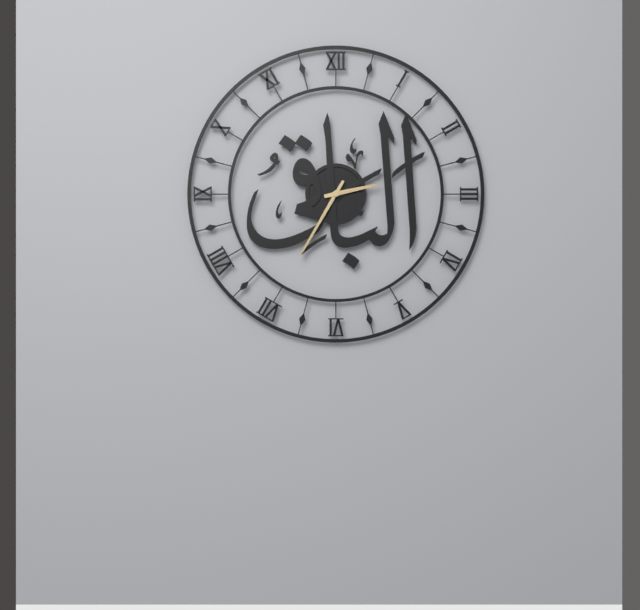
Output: 2h35
